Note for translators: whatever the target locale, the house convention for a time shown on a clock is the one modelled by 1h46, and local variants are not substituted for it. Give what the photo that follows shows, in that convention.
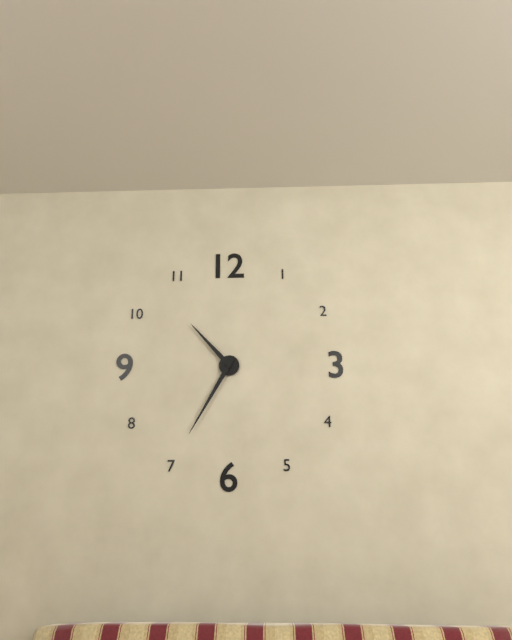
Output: 10h35
